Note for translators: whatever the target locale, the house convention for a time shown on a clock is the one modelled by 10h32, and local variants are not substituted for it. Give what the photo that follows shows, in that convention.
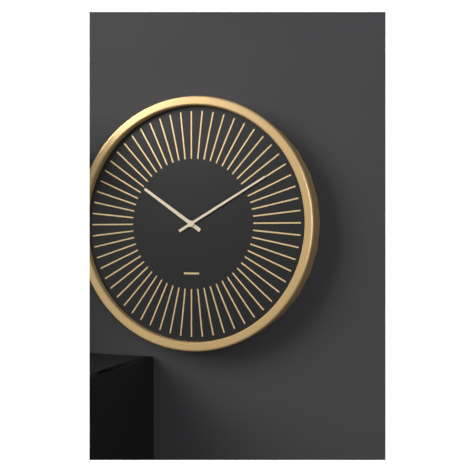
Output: 10h10
